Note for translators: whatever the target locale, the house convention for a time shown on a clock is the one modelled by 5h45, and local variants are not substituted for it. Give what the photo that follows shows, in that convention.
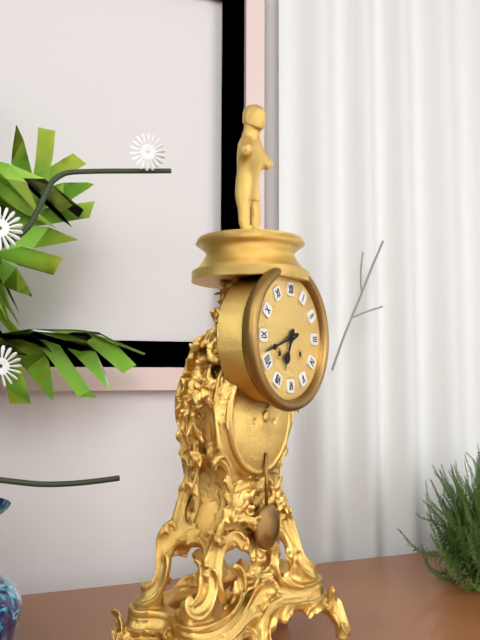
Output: 6h42
